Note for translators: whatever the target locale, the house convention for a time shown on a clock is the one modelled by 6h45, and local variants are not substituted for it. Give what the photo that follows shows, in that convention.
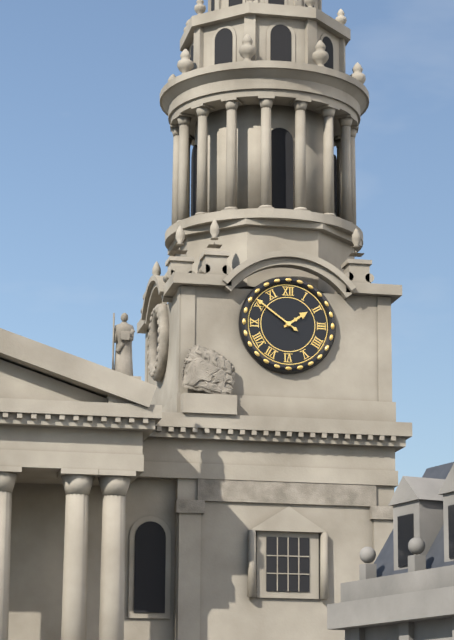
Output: 1h51
